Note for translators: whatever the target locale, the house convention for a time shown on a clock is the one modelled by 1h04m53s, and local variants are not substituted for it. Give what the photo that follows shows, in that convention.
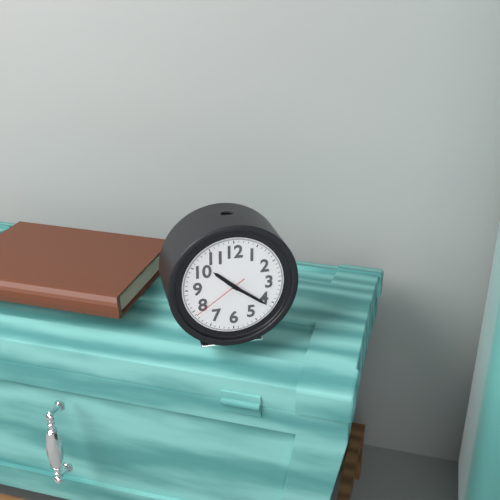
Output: 10h21m39s
